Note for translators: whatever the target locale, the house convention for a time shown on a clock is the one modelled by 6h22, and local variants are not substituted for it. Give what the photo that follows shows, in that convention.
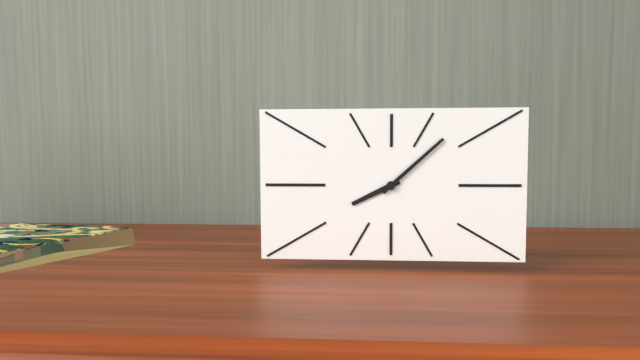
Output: 8h08
